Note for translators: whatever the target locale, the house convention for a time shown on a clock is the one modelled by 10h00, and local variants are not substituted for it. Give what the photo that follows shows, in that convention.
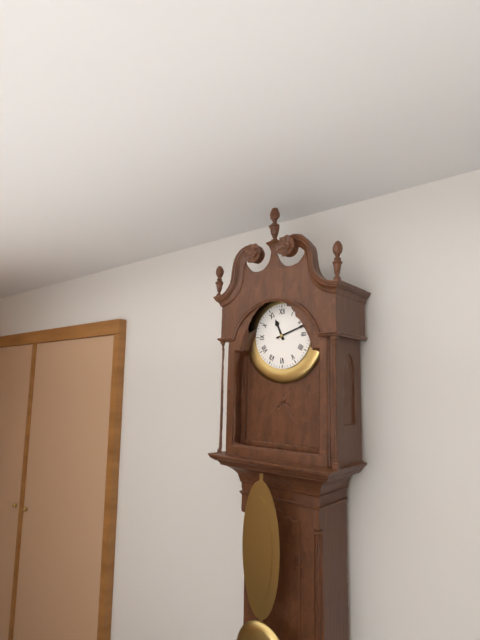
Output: 11h12
